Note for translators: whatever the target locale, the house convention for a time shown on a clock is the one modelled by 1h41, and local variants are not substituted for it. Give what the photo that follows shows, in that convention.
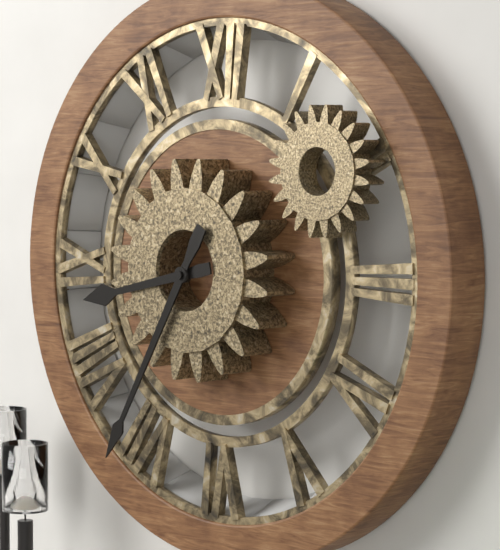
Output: 8h35
